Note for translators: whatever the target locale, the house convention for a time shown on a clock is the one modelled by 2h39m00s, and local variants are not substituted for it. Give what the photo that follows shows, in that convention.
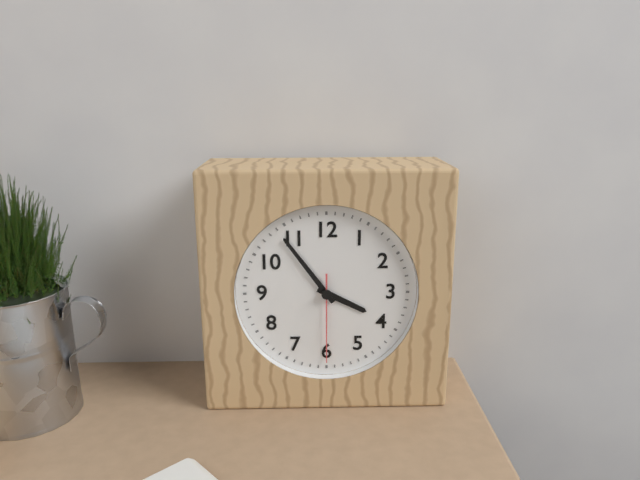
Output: 3h54m30s
